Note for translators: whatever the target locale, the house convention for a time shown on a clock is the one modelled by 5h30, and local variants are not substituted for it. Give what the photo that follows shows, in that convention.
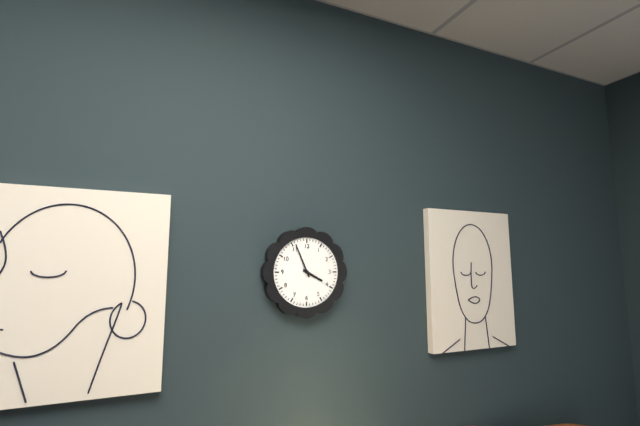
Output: 3h56
